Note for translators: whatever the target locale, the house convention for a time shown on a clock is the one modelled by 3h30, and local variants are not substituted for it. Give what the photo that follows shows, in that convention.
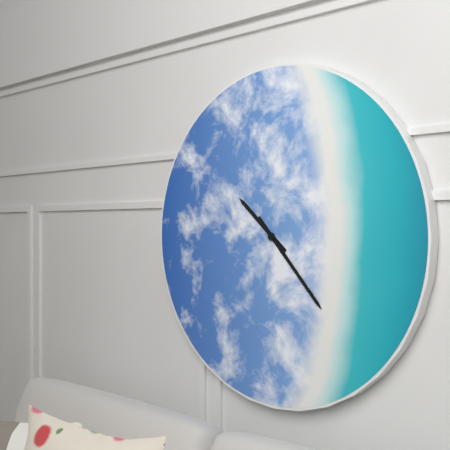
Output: 10h23
